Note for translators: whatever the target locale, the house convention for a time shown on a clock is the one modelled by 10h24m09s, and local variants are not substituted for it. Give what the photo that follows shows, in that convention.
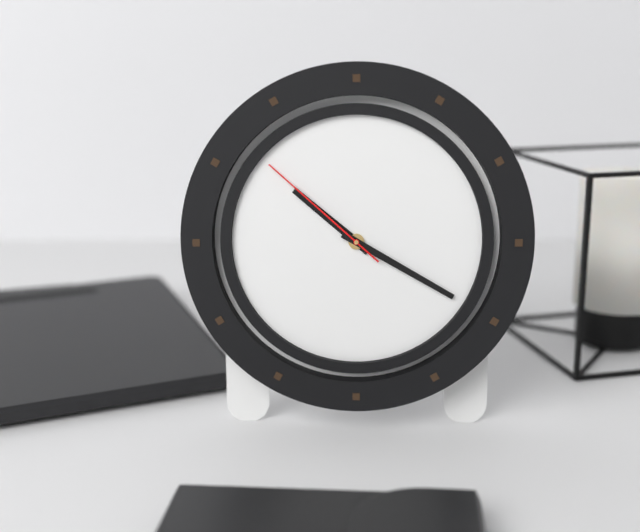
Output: 10h20m52s
